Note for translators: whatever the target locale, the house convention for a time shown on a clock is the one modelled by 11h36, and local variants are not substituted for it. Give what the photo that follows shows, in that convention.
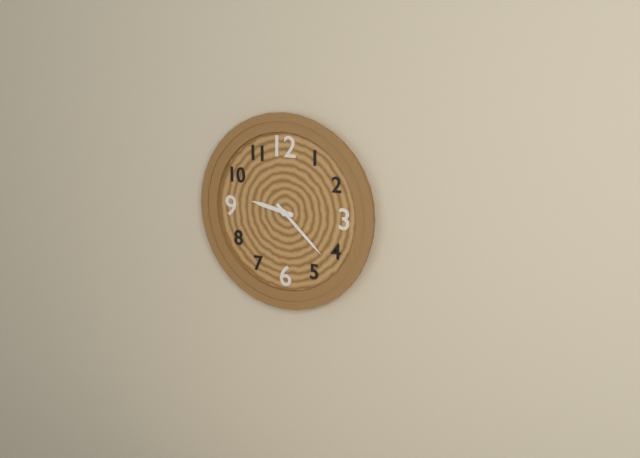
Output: 9h22
